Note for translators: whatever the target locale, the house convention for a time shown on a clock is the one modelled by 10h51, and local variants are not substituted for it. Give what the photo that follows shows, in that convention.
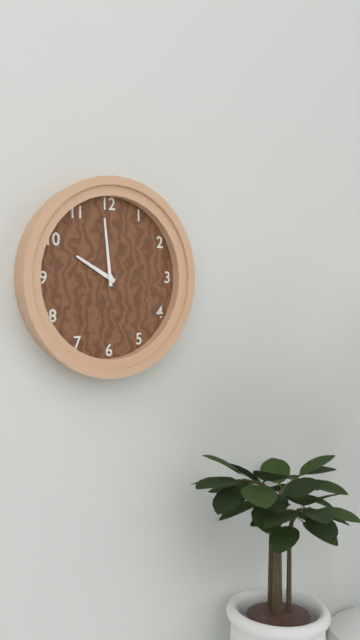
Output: 9h59
